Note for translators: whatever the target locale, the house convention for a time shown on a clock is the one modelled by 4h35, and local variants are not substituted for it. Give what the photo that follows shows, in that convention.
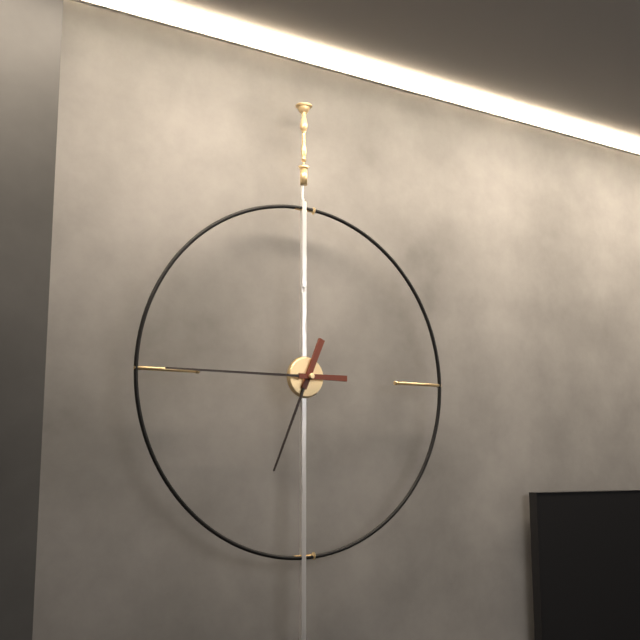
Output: 6h45
